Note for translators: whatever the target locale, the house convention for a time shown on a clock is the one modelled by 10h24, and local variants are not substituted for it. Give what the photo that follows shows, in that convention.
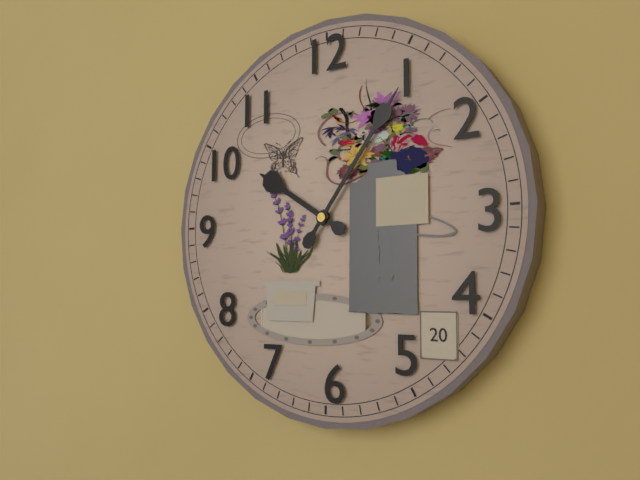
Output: 10h06
